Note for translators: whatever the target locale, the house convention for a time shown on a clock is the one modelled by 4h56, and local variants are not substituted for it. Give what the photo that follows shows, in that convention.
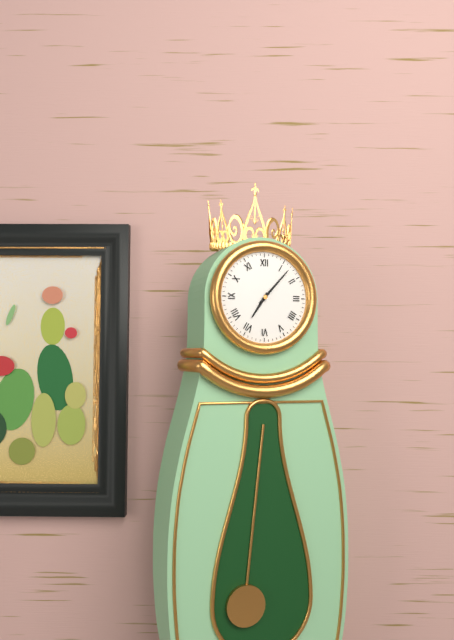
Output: 7h07
